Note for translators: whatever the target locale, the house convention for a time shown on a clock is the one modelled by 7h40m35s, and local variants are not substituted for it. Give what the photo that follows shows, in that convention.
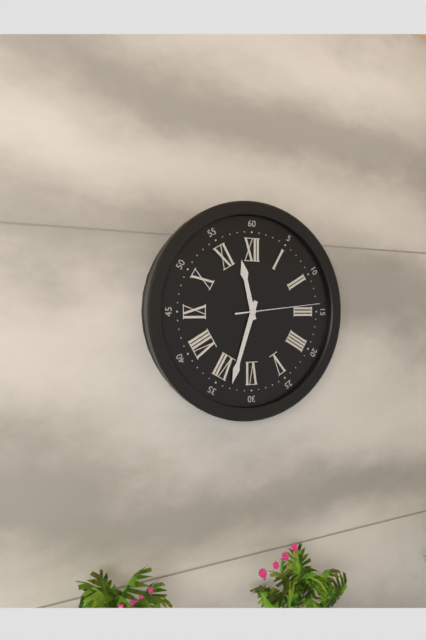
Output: 11h33m14s
